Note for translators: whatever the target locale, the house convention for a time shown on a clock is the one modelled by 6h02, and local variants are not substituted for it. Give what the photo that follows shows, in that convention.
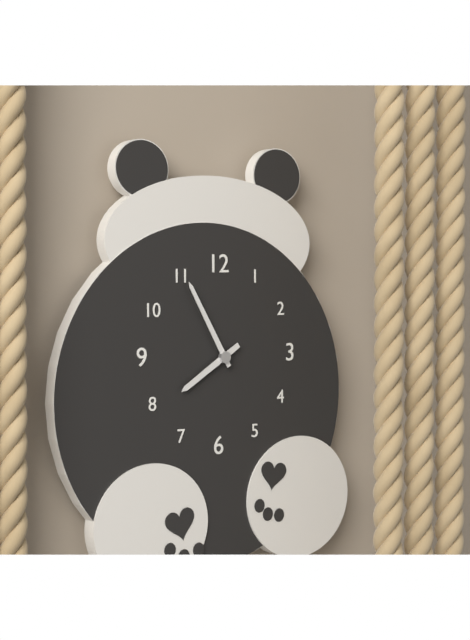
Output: 7h55
